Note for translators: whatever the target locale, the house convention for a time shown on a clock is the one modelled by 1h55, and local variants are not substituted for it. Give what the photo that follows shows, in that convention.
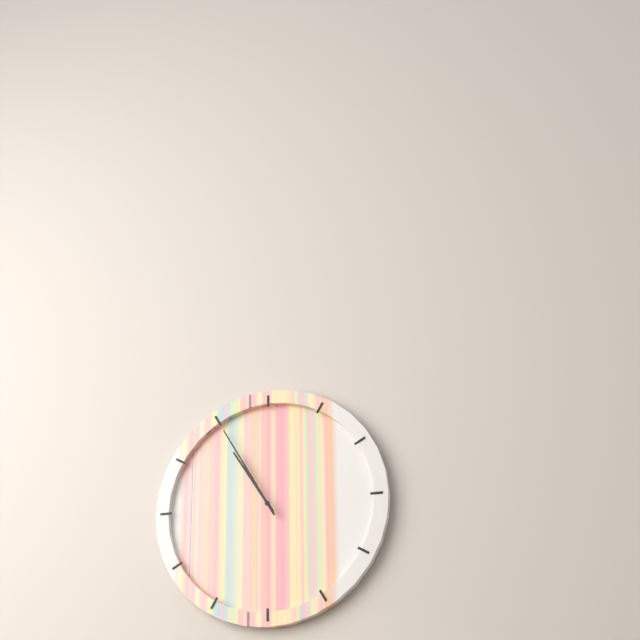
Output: 10h55
